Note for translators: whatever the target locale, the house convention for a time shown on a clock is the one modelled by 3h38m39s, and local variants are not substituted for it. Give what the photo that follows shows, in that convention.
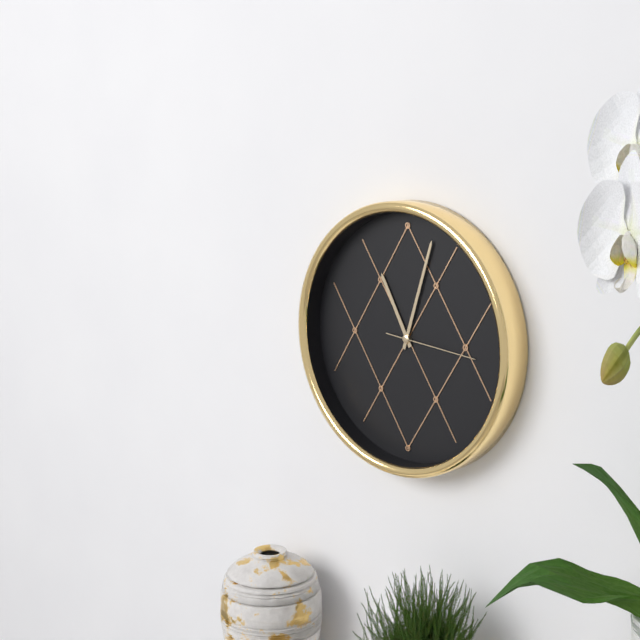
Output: 11h03m16s
